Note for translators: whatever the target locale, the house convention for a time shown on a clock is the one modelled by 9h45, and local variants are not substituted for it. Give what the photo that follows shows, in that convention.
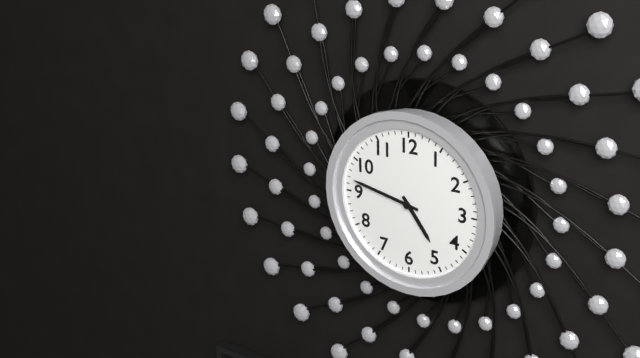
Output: 4h47
